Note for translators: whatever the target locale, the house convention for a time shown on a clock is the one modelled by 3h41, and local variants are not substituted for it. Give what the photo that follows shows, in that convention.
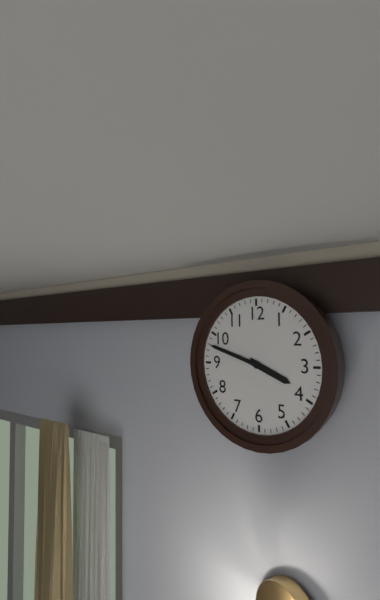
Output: 3h48
